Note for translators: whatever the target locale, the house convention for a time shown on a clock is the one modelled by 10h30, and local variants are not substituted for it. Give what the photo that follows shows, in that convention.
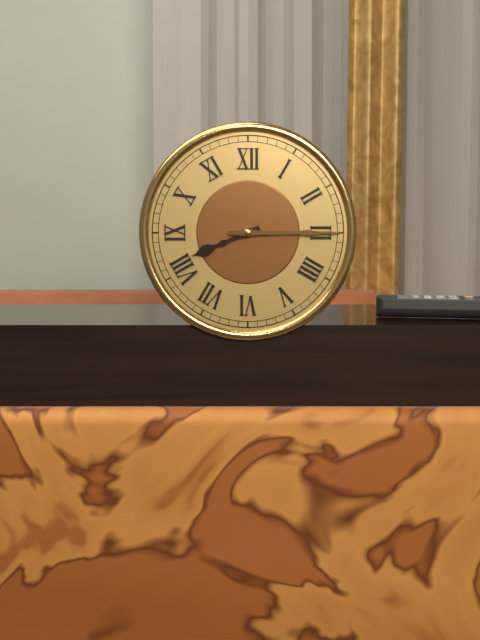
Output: 8h15
